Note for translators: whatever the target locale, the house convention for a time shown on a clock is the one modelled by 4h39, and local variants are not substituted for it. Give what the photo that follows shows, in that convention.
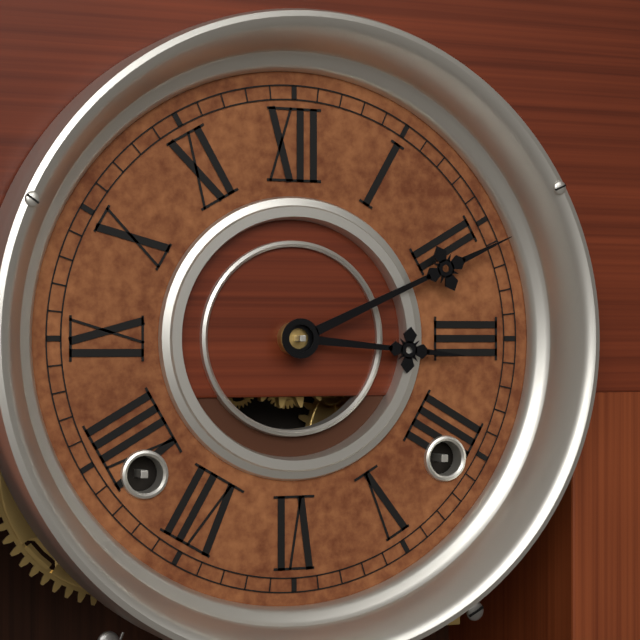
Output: 3h11
